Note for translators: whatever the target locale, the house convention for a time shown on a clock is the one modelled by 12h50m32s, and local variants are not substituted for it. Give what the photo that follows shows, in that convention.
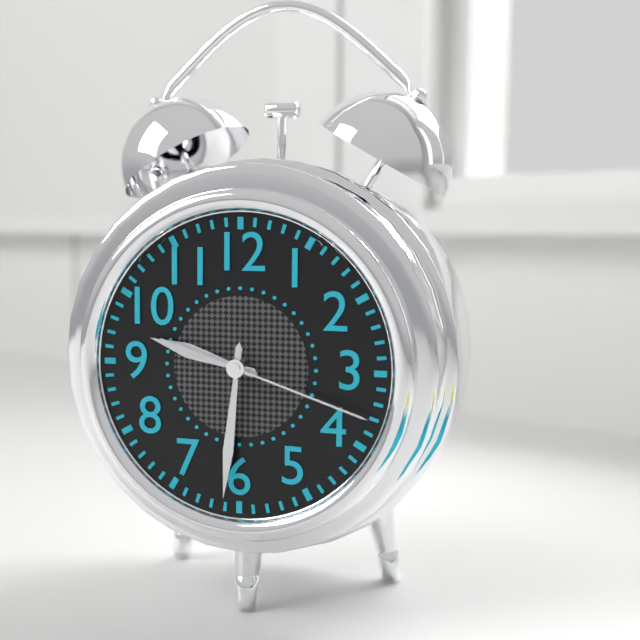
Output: 9h31m18s
